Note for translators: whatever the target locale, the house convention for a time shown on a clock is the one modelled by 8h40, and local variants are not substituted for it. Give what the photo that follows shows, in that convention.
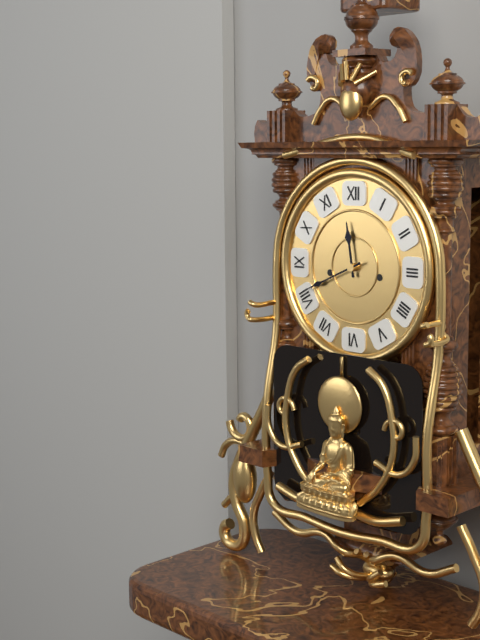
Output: 11h41
